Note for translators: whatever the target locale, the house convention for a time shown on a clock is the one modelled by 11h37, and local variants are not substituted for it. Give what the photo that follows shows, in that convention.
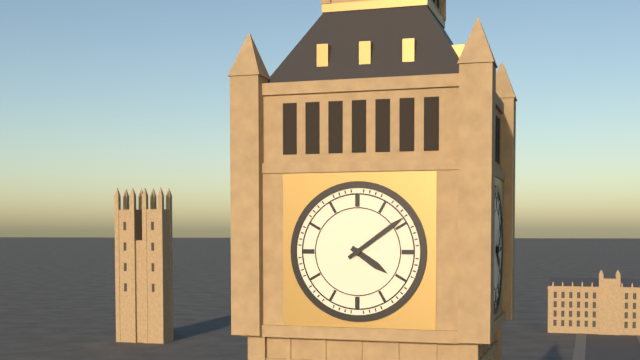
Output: 4h09
